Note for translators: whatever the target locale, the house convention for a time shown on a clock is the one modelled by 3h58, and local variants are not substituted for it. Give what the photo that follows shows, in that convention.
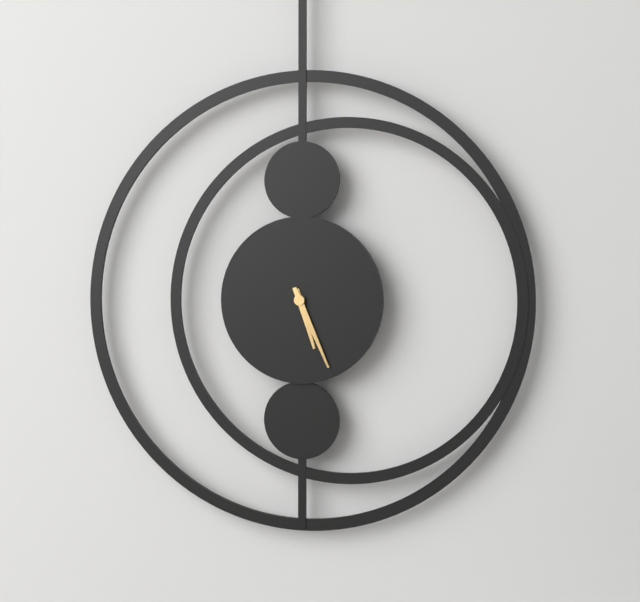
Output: 5h26
